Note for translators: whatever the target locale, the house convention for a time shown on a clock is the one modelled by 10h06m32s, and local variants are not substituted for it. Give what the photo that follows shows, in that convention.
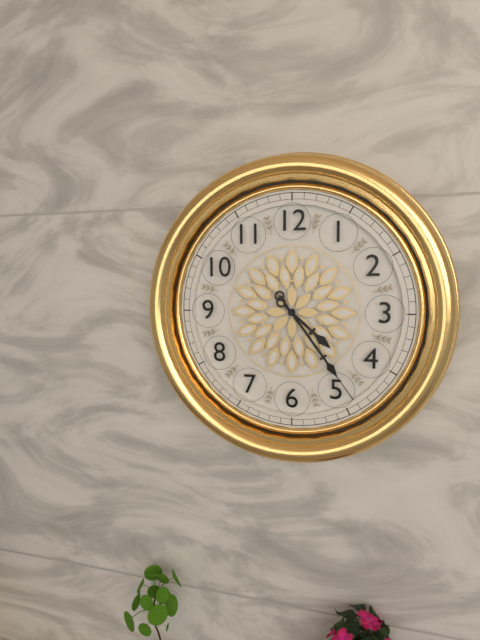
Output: 4h24m24s
